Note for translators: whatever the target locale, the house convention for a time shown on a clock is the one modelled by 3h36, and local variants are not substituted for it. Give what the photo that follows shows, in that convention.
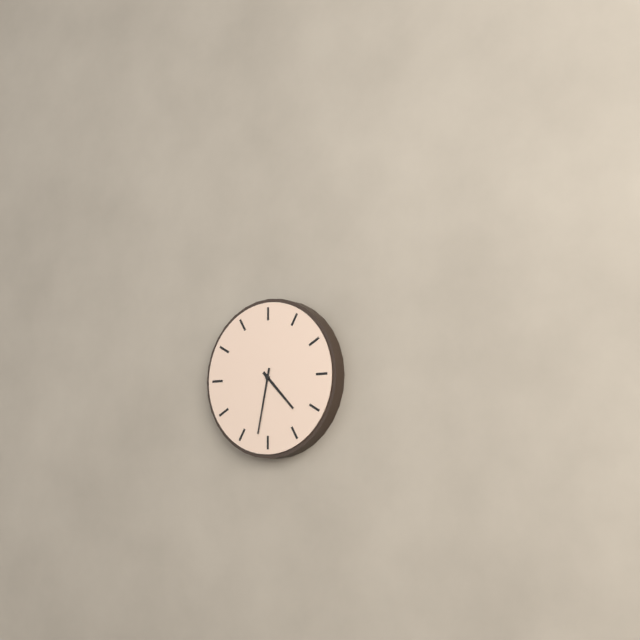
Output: 4h32
